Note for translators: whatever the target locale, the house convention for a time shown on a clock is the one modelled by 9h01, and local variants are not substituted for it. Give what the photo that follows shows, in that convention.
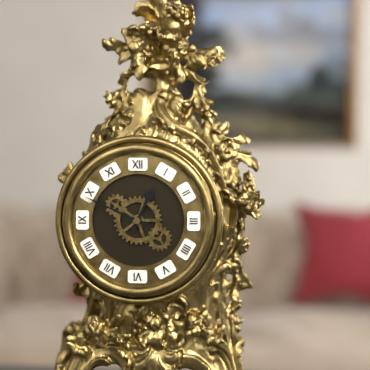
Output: 12h49
